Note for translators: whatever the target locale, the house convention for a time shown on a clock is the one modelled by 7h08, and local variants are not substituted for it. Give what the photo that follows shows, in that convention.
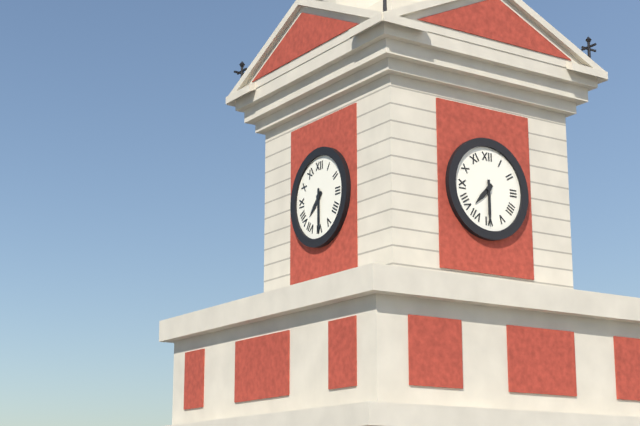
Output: 7h30
